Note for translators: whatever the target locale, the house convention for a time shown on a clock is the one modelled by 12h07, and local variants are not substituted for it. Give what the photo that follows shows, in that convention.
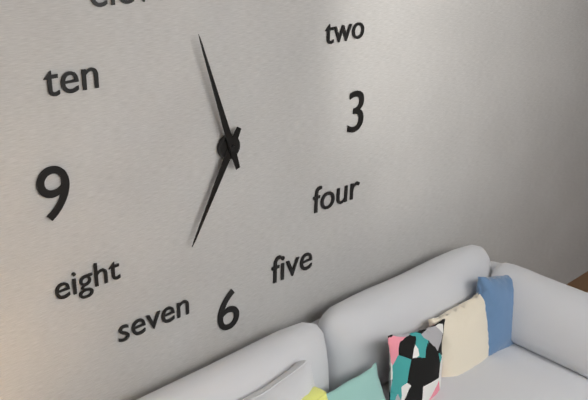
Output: 6h57
